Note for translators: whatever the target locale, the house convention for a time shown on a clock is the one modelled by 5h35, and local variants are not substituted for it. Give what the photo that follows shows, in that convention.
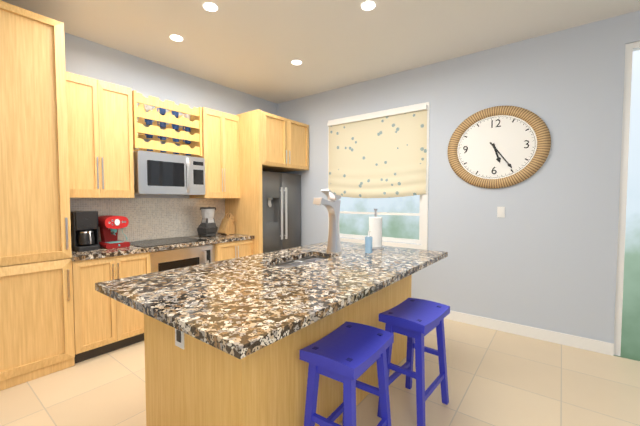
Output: 5h24
